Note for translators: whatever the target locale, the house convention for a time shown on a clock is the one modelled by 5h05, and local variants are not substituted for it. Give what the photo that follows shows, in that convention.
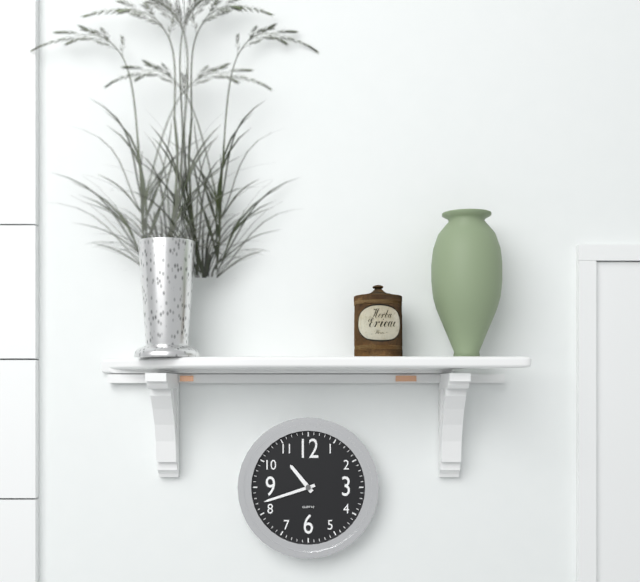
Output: 10h42
